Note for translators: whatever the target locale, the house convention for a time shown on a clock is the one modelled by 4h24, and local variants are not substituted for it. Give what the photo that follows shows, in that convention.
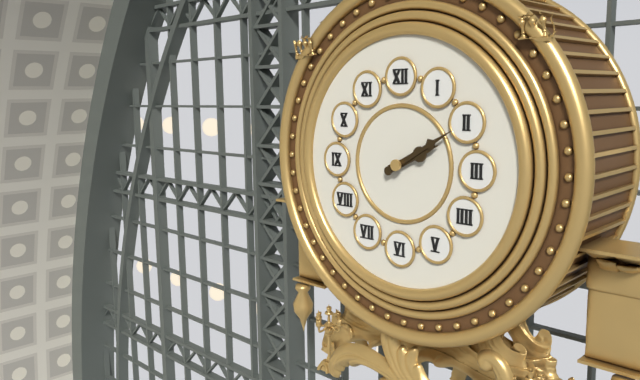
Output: 2h10
